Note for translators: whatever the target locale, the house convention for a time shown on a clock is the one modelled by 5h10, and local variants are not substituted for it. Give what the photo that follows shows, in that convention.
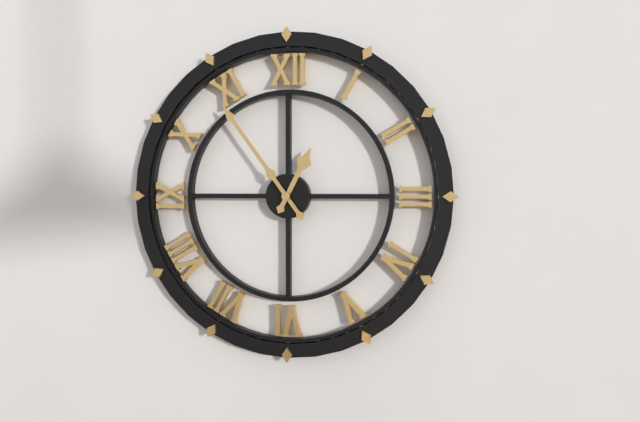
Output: 12h54
